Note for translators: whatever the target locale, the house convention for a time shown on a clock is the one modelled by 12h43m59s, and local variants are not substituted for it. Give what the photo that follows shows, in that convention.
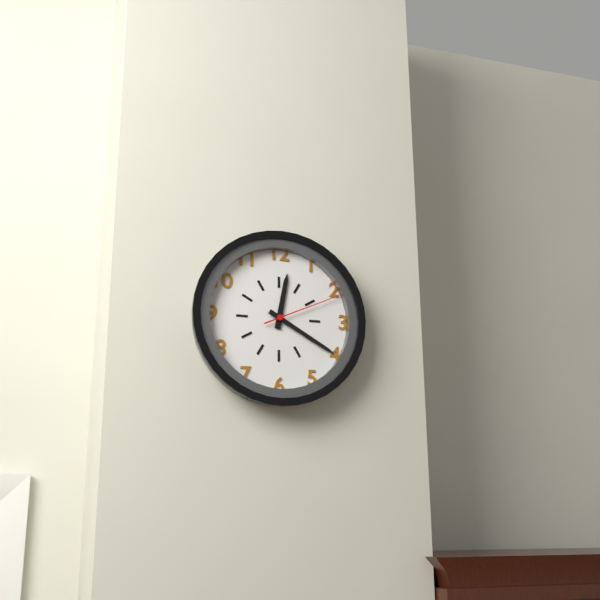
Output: 12h20m11s
